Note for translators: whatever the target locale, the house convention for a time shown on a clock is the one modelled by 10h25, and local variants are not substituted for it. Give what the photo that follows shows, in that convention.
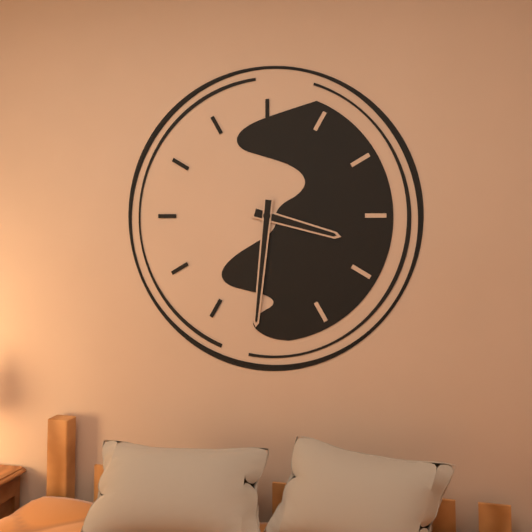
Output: 3h31
